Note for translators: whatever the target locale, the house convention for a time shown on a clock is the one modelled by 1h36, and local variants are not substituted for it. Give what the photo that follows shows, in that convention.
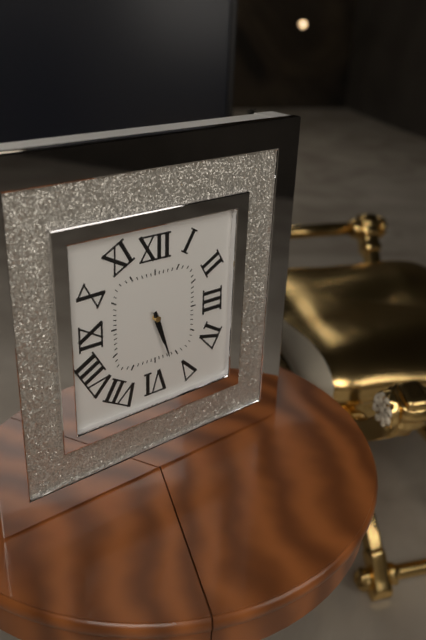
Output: 5h27
